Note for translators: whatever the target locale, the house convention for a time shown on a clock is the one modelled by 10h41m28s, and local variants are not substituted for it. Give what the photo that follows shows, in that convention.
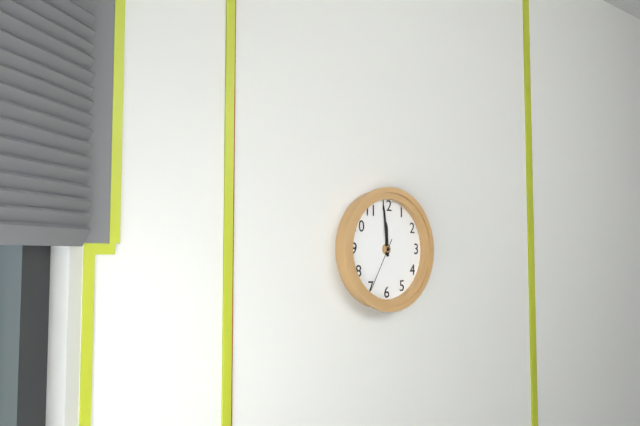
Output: 11h59m35s
